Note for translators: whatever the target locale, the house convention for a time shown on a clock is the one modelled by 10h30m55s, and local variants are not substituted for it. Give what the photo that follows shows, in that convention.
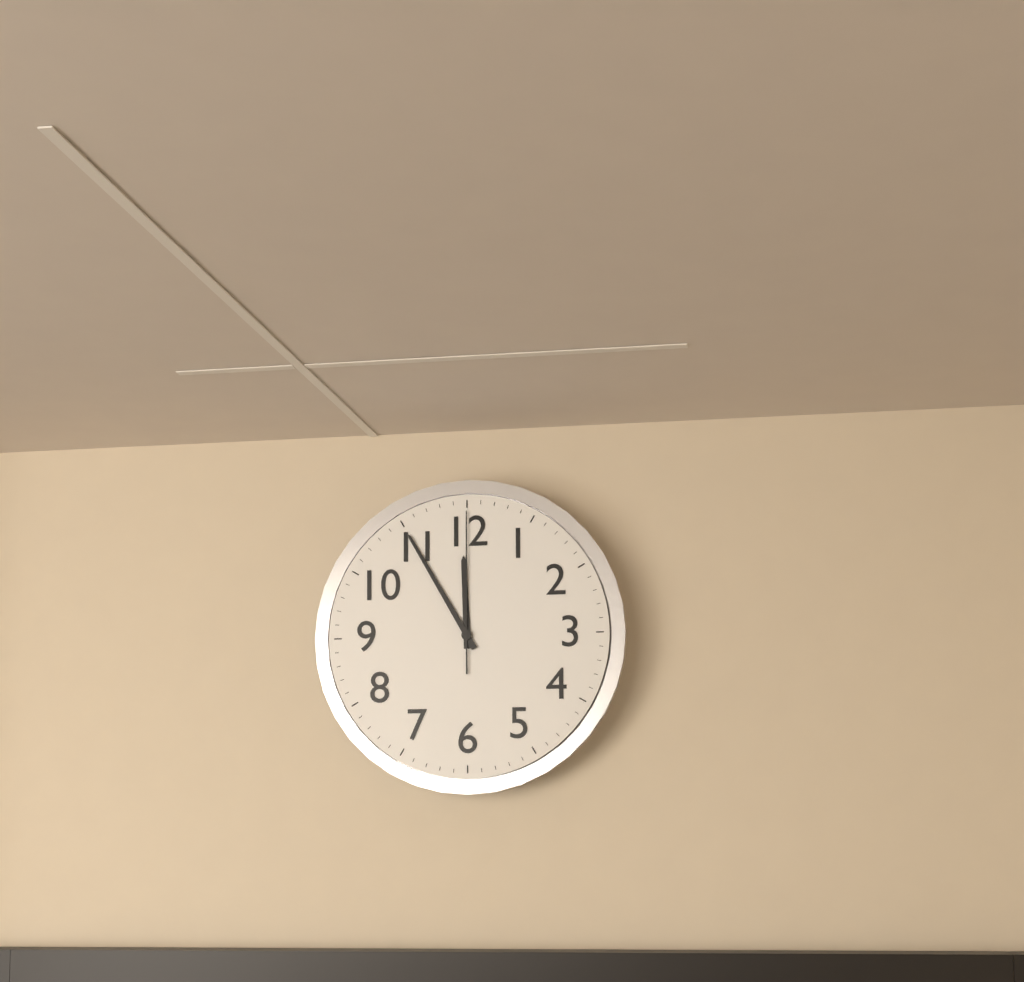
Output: 11h55m00s
